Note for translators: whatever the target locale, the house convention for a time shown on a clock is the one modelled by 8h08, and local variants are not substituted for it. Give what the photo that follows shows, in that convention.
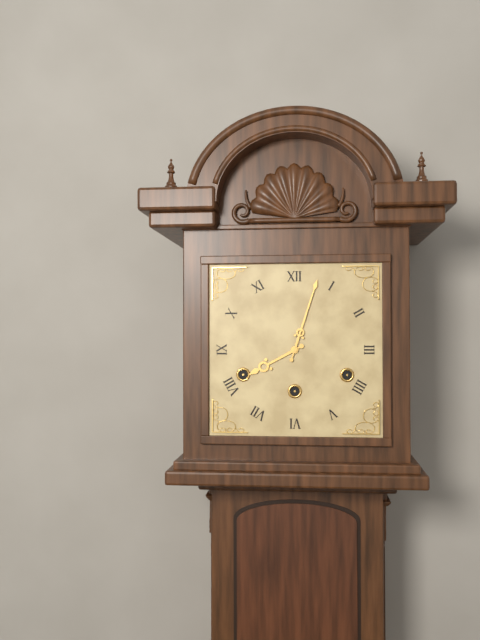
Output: 8h03
